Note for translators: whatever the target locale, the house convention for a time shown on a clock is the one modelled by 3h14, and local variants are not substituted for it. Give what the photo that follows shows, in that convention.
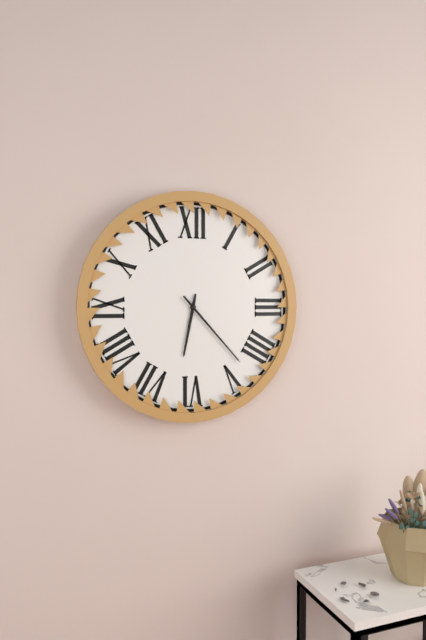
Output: 6h23
